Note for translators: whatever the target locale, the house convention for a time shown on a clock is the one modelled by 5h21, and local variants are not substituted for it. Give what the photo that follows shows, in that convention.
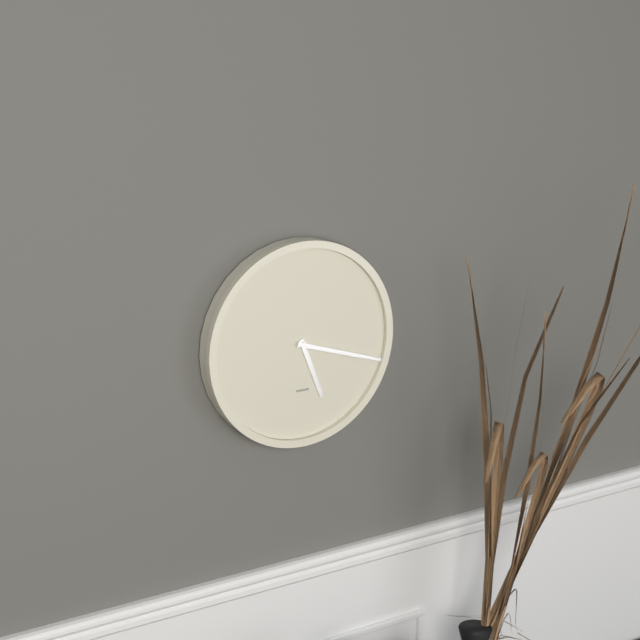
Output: 5h18
